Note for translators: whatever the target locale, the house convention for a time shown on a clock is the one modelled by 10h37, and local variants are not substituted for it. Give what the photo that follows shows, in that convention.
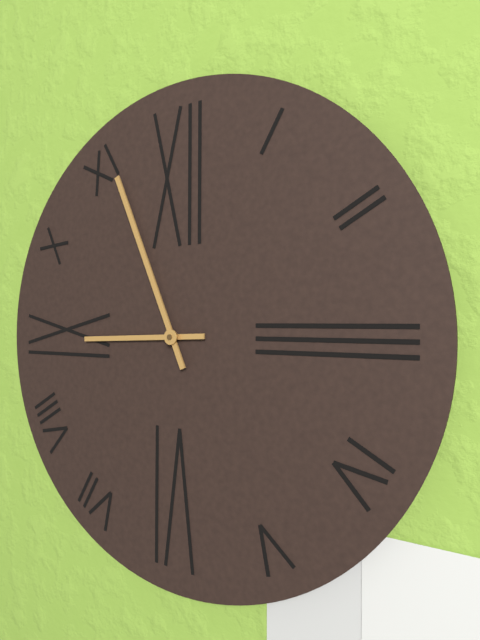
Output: 8h56
